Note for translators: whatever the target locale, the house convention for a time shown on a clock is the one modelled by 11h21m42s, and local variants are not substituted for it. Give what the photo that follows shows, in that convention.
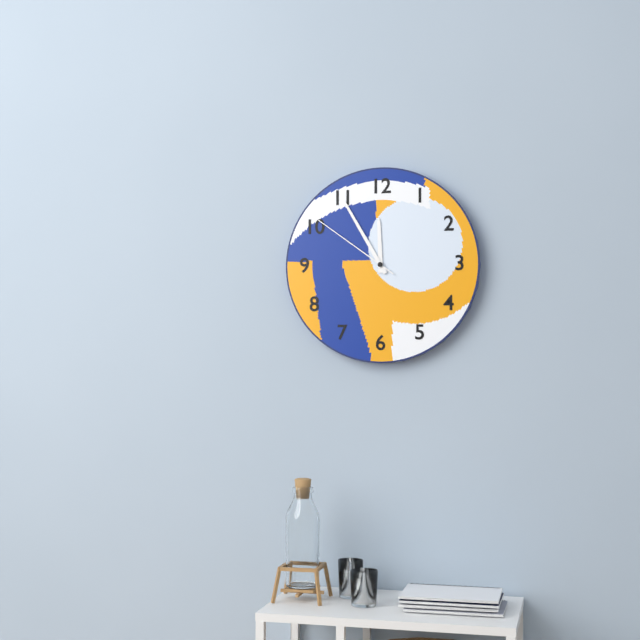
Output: 11h55m51s
